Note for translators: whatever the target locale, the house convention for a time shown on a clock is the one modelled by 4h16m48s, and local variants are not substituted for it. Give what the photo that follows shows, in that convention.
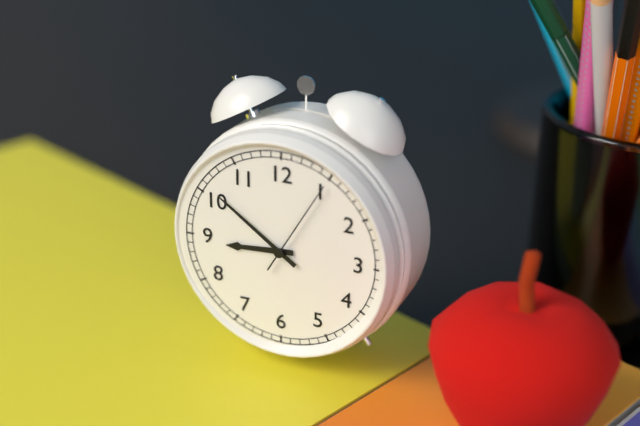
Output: 8h51m05s
